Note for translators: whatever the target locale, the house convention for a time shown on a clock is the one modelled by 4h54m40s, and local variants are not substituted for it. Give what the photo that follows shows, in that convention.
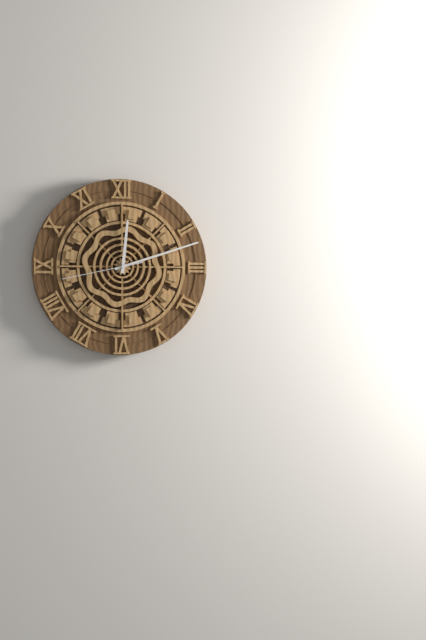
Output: 12h12m43s
